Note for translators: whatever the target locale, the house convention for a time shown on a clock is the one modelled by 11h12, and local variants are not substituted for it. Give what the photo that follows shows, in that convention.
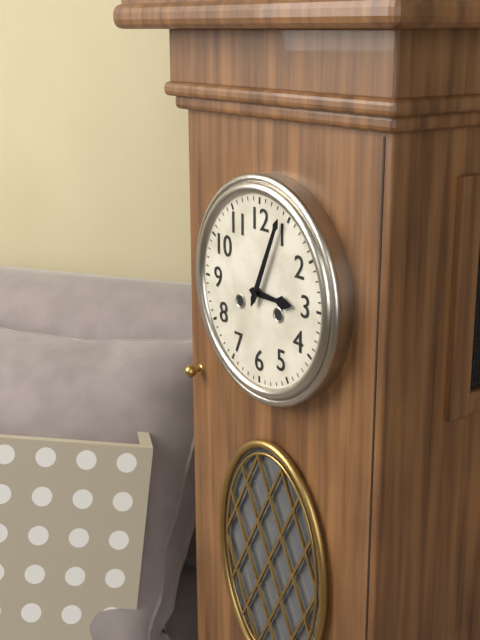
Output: 3h04
